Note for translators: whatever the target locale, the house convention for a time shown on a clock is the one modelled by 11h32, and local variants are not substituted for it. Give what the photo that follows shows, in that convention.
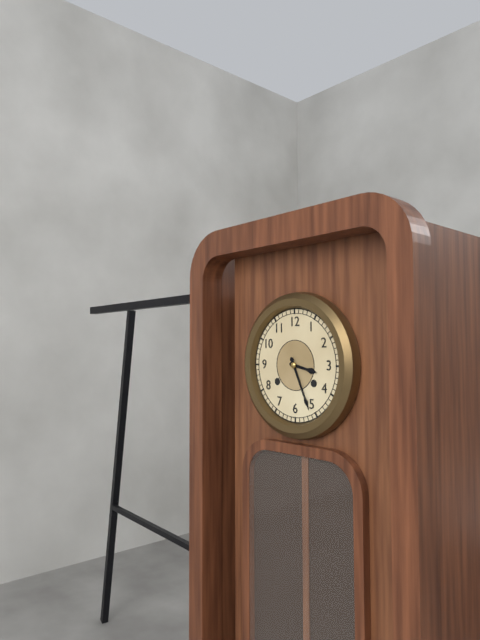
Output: 3h26
